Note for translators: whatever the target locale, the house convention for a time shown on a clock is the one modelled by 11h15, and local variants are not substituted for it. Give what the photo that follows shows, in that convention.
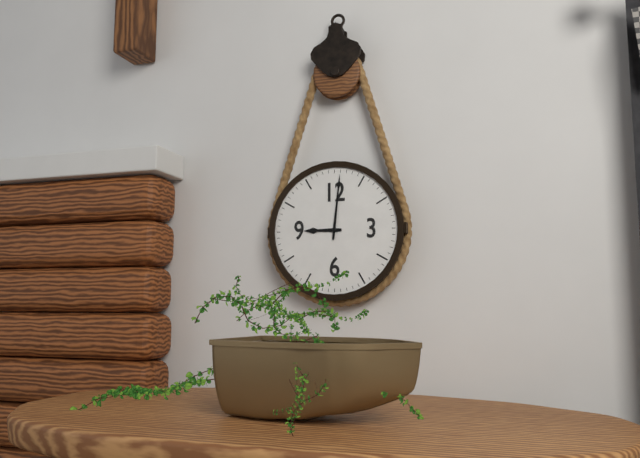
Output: 9h01
